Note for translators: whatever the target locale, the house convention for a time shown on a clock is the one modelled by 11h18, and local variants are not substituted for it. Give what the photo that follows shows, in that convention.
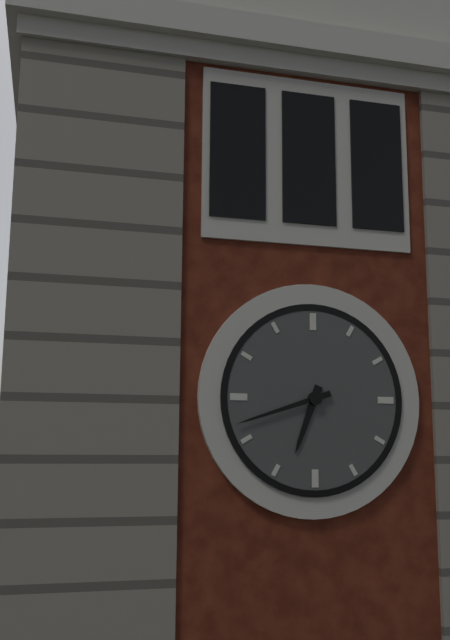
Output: 6h42
